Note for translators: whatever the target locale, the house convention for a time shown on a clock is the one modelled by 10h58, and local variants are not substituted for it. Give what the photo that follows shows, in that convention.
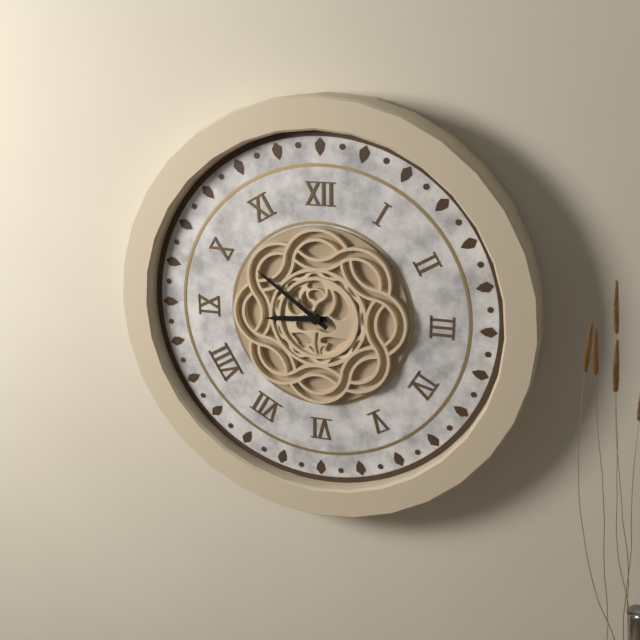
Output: 8h51
